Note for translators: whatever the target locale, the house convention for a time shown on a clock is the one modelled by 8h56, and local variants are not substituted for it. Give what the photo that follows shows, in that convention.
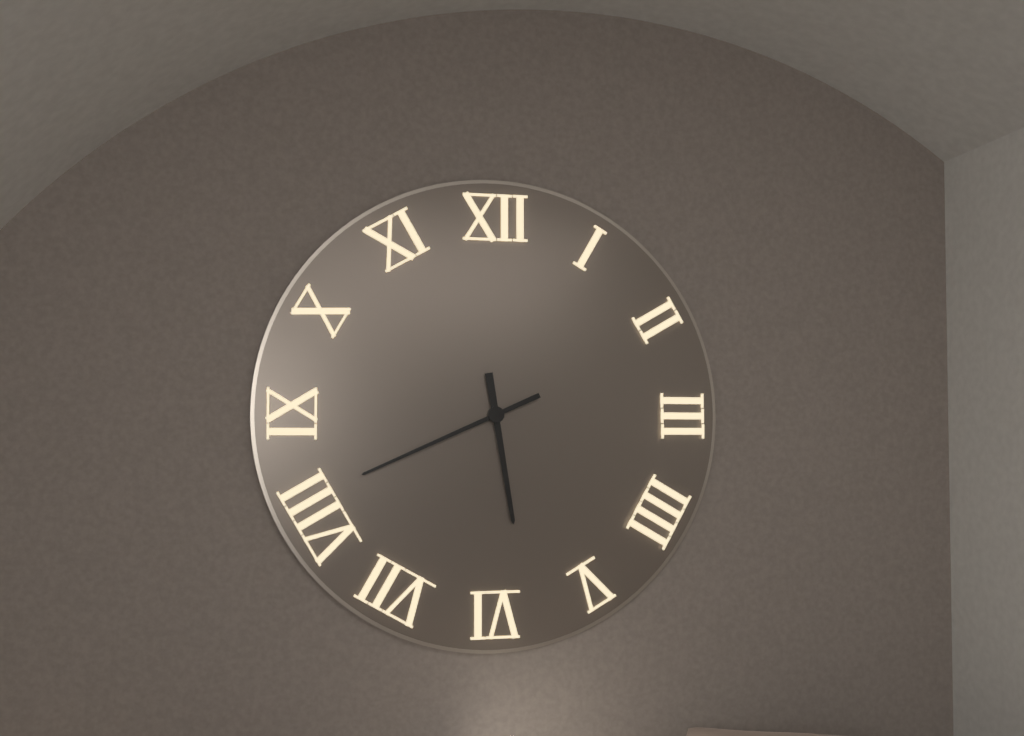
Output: 5h41
